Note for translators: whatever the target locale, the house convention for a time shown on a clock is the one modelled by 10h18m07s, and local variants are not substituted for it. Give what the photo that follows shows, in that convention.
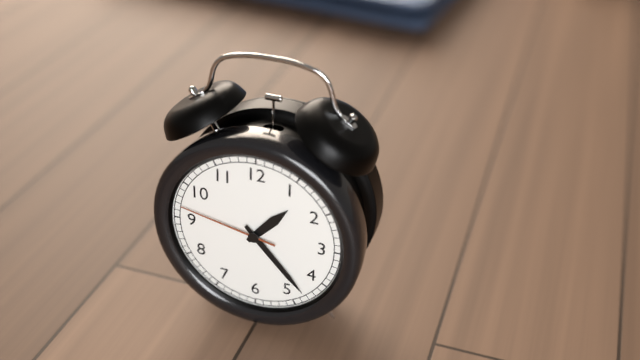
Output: 1h23m47s
